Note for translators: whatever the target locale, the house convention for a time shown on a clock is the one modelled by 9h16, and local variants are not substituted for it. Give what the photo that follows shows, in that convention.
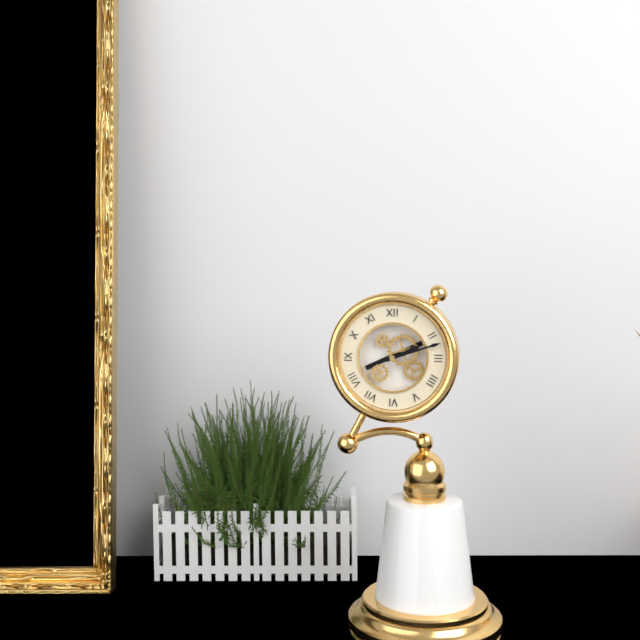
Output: 2h12
